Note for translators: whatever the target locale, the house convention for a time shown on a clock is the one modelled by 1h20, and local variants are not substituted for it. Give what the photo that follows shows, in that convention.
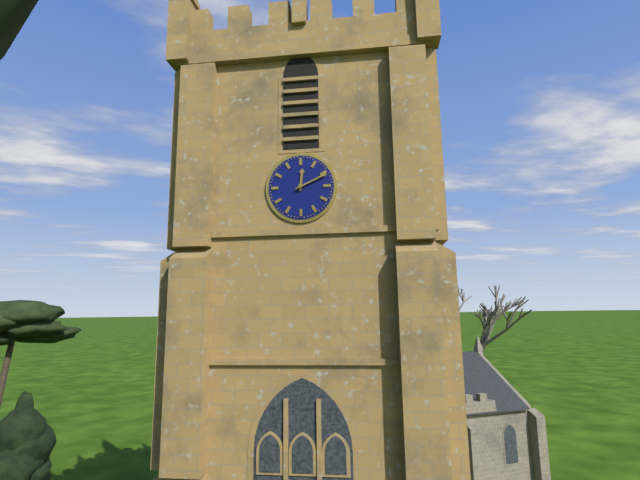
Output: 12h11
